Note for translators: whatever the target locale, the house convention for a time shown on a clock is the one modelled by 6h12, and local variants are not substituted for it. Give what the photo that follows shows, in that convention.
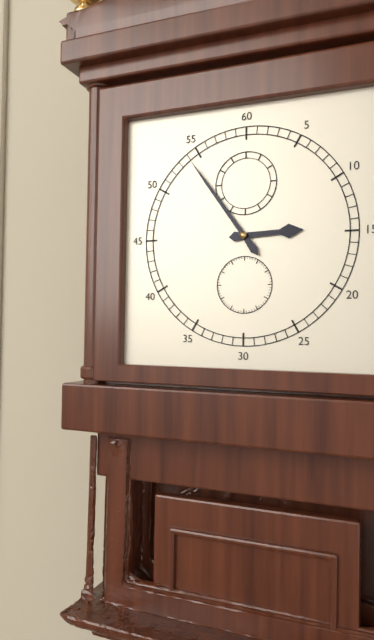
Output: 2h54
